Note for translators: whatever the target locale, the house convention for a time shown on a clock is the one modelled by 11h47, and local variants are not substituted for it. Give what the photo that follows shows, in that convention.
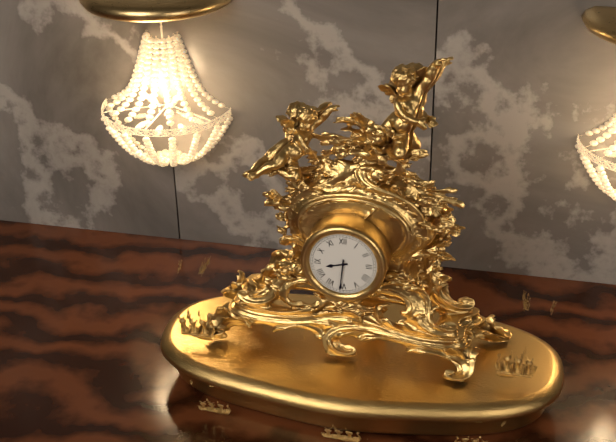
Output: 8h31
